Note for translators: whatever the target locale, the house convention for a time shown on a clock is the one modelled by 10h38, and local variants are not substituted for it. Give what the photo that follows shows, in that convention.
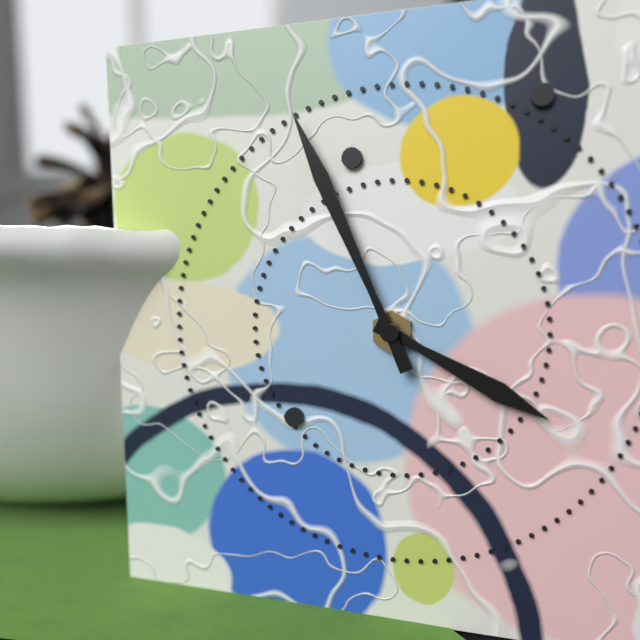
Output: 3h56
